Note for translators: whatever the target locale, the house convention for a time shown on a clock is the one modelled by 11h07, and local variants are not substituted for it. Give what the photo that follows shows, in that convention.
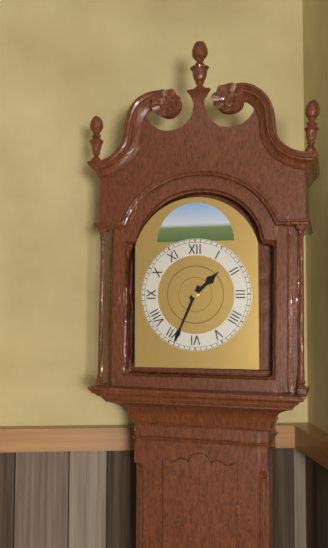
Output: 1h34
